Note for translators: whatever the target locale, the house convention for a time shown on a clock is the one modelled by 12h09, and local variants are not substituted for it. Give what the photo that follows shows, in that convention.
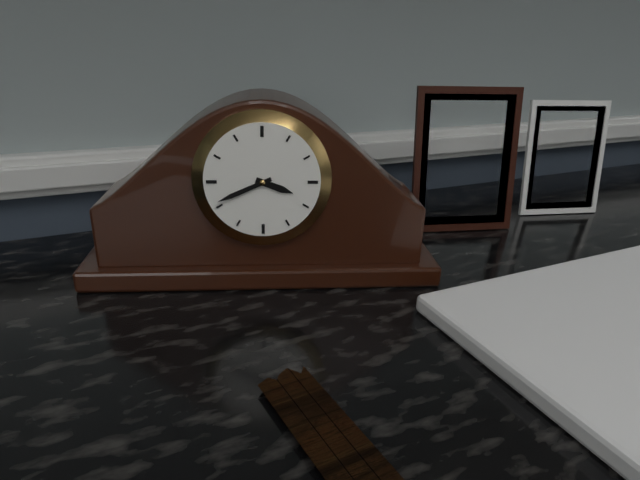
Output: 3h41
